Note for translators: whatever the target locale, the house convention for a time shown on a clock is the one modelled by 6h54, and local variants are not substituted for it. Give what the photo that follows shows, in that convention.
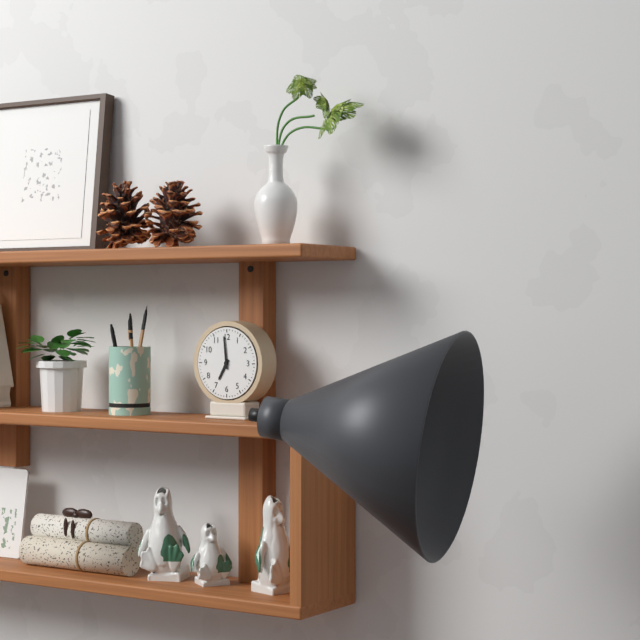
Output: 6h59
